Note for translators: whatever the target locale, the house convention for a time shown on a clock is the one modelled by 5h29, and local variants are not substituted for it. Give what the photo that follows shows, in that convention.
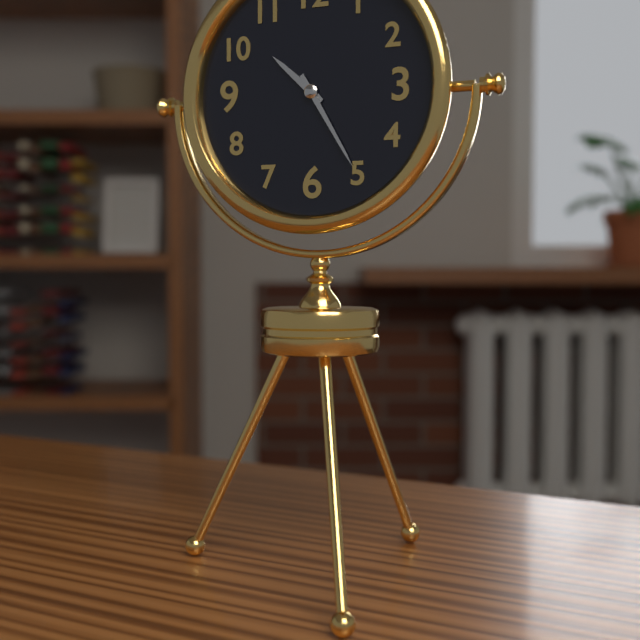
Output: 10h25
